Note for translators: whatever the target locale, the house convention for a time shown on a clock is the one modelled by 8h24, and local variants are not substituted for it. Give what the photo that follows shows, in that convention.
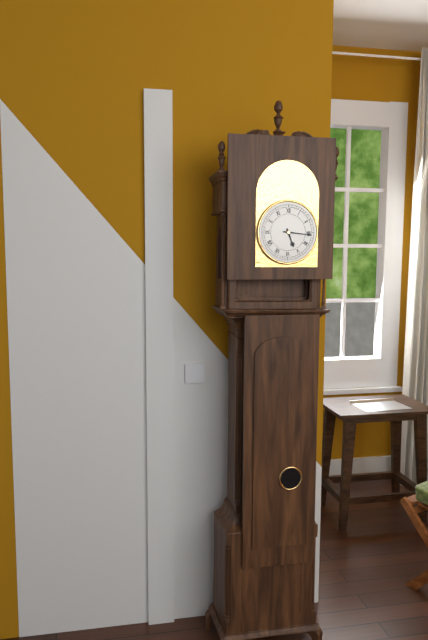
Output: 5h16
